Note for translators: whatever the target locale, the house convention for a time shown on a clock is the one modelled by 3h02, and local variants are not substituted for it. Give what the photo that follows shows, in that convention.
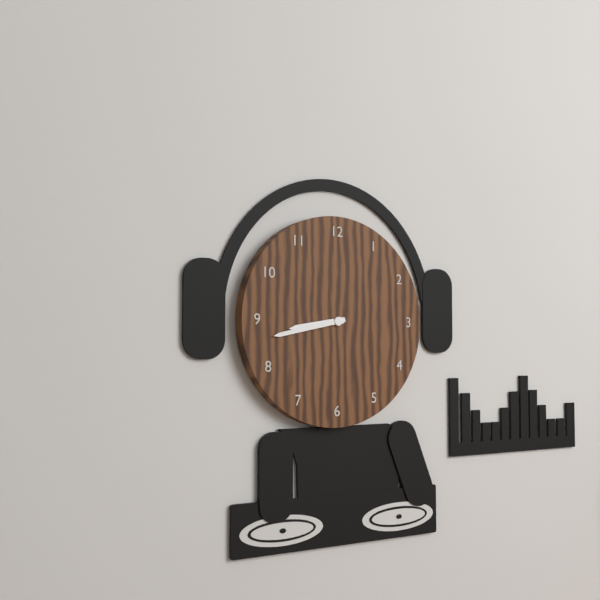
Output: 8h43
